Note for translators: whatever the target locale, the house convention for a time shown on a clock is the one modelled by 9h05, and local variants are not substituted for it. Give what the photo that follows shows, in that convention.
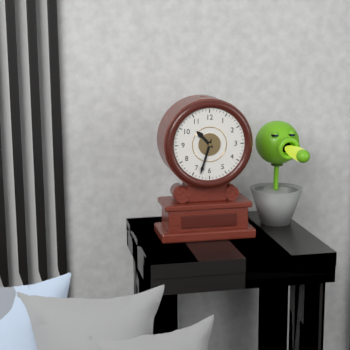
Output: 10h33
